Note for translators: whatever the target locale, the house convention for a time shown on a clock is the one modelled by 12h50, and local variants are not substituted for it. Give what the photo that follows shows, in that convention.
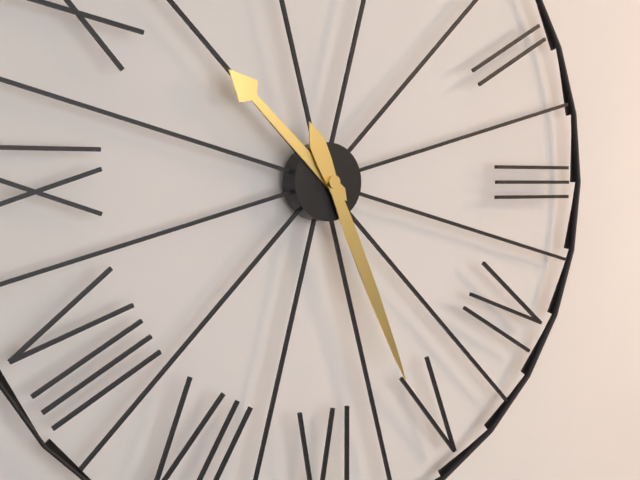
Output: 10h26
